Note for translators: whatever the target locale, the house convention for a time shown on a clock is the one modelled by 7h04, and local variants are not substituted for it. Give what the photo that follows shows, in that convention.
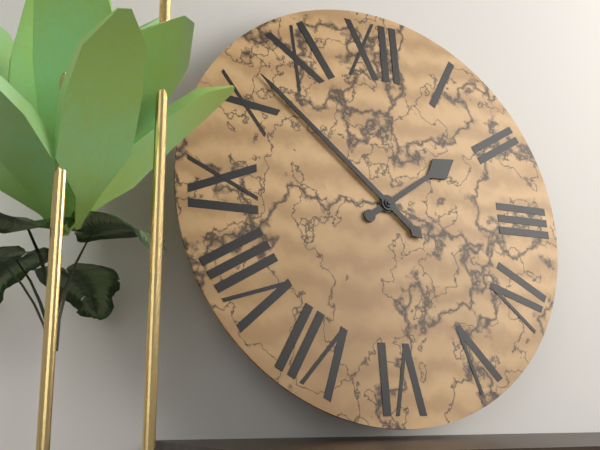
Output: 1h52
